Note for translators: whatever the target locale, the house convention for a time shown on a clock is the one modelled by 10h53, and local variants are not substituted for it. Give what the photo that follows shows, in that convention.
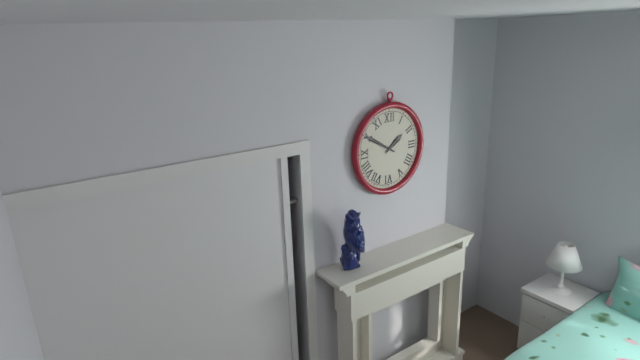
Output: 1h50
